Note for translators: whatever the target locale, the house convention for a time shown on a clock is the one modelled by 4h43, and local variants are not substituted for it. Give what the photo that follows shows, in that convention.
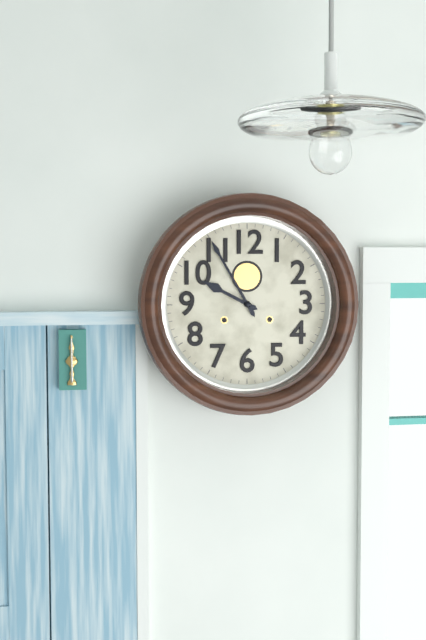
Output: 9h55
